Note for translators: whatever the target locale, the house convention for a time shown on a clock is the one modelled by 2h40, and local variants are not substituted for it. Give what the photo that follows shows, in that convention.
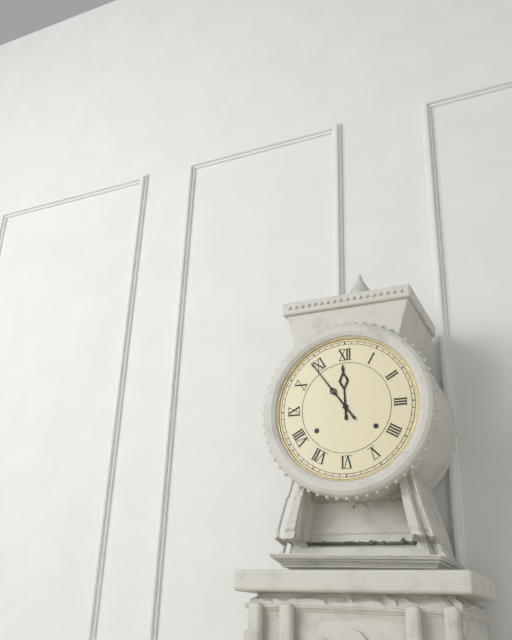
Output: 11h54
